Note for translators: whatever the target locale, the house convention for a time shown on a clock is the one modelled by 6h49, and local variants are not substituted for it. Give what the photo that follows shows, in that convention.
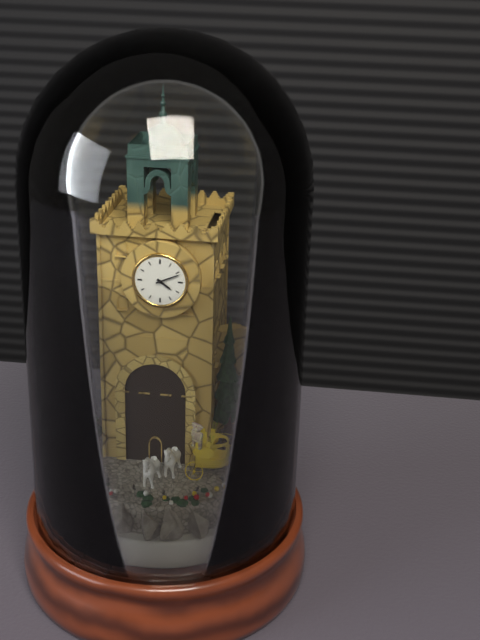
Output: 4h11
